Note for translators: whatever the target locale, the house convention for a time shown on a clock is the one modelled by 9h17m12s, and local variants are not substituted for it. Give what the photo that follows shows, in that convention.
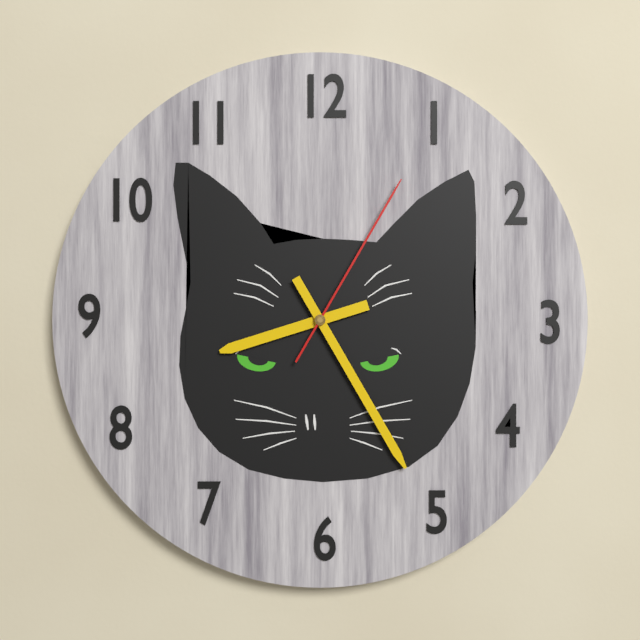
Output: 8h25m05s
